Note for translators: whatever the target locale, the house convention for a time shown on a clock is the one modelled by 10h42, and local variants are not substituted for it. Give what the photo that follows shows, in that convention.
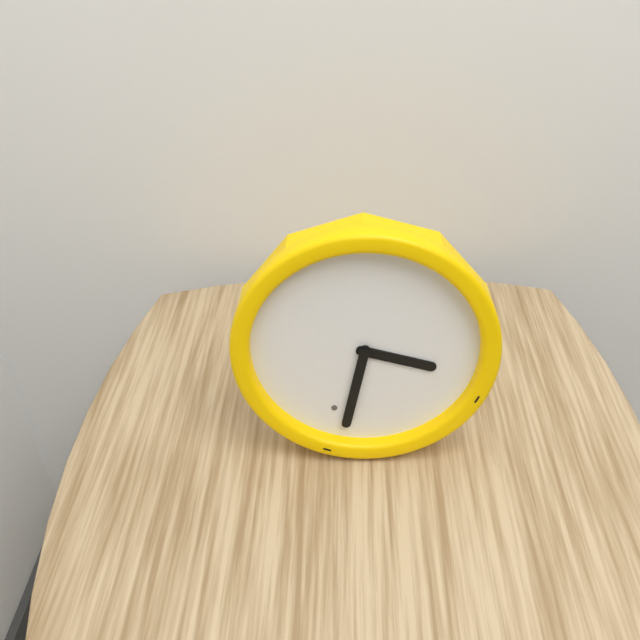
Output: 3h32
